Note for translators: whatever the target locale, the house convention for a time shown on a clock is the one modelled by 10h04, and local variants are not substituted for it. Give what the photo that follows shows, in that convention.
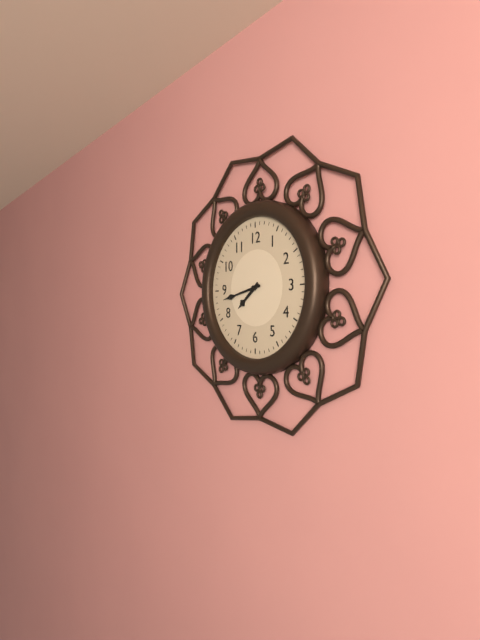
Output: 7h43
